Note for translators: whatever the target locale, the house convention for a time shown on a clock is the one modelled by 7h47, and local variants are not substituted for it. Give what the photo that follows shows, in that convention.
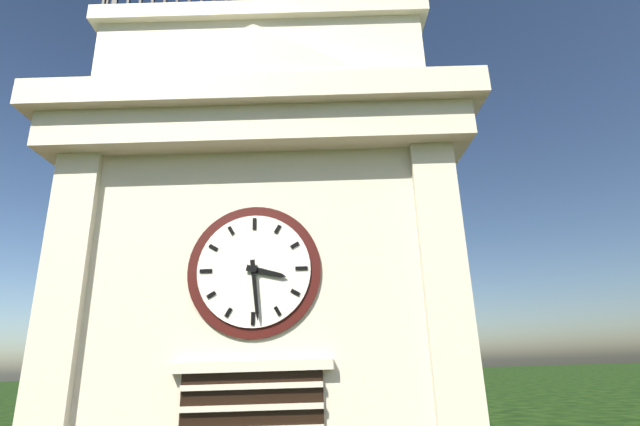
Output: 3h29
